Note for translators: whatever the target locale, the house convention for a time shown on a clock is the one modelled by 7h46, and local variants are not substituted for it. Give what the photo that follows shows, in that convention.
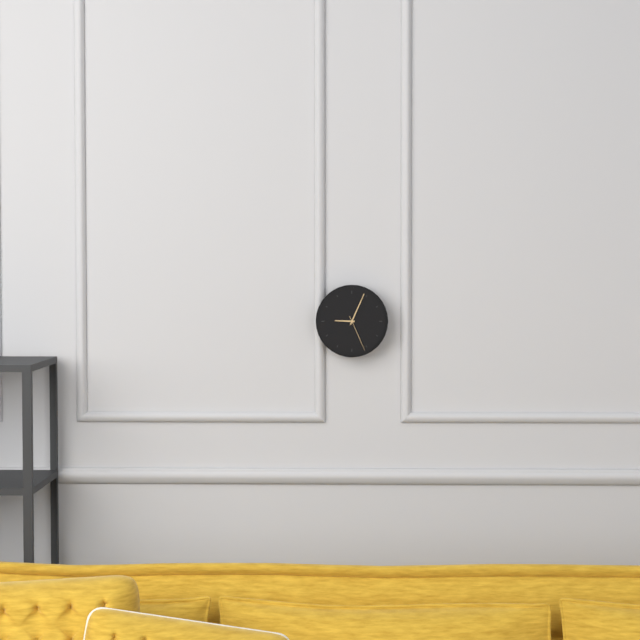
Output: 9h04
